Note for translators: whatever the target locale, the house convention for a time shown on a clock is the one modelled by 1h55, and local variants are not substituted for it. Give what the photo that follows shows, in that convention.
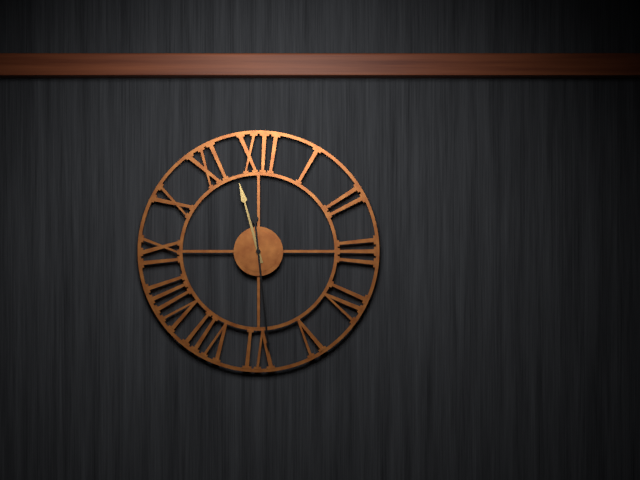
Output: 11h29
